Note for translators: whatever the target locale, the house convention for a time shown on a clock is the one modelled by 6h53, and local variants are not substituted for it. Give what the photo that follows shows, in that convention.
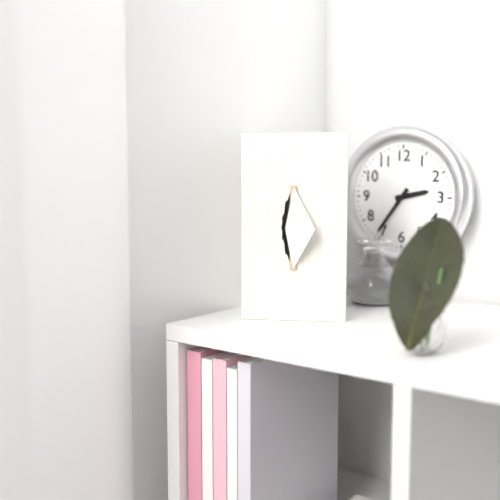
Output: 2h36
